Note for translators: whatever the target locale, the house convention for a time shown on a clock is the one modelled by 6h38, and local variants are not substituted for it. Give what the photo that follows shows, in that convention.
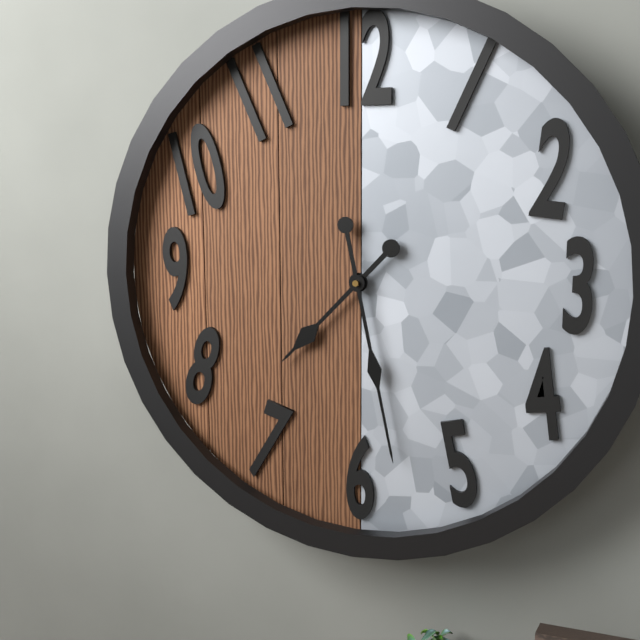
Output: 7h28
